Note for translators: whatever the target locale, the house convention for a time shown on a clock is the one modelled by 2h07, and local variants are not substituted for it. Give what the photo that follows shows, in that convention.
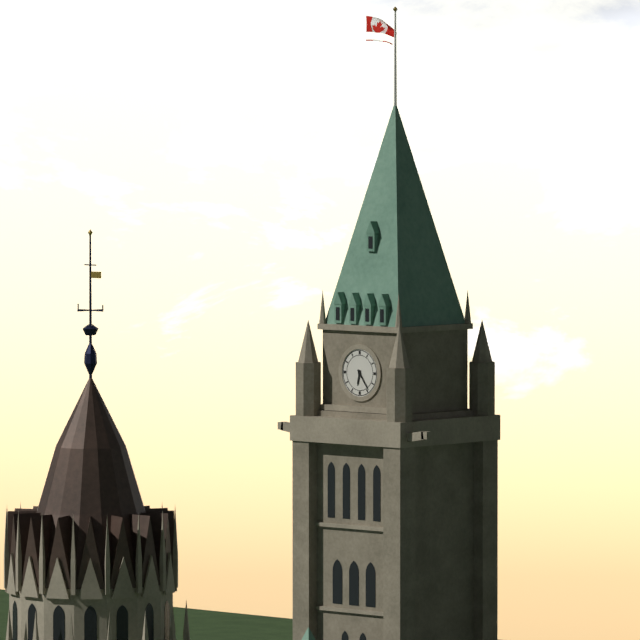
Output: 6h24
